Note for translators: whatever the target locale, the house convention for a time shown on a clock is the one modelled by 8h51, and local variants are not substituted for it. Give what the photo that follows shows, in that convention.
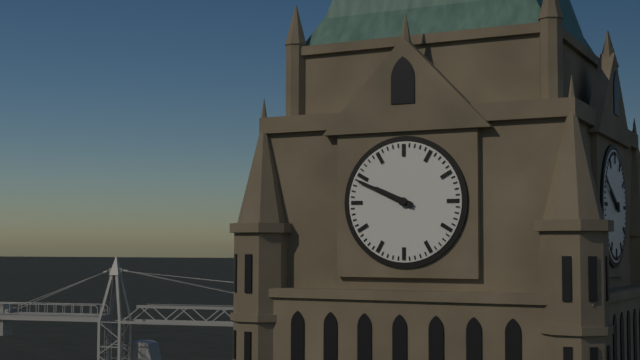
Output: 9h49
